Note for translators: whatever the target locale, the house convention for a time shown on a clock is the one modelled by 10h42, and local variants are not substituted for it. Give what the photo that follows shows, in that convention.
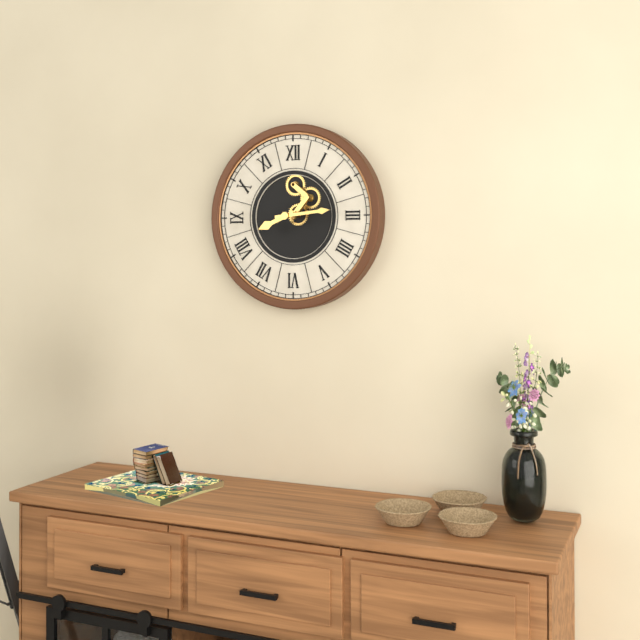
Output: 8h14
